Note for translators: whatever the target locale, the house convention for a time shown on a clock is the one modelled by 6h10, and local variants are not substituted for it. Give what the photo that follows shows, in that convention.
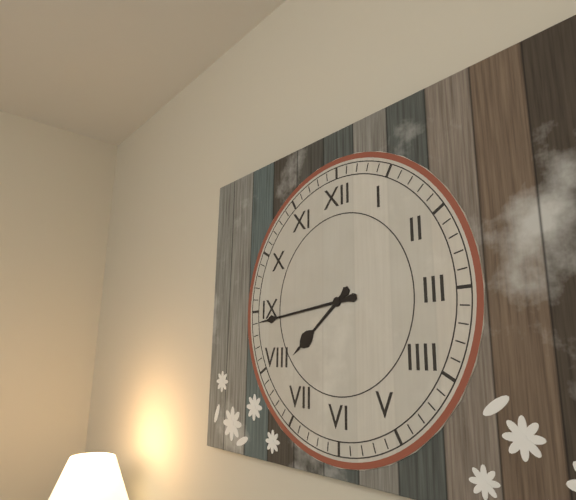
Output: 7h44
